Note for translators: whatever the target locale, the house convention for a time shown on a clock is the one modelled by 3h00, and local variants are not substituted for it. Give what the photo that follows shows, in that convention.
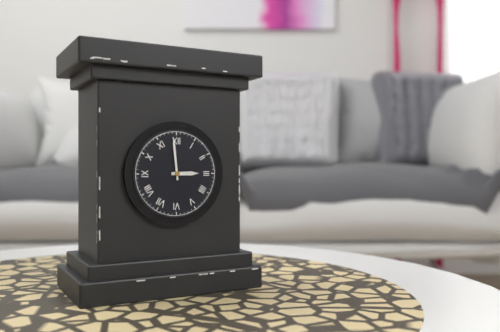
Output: 2h59
